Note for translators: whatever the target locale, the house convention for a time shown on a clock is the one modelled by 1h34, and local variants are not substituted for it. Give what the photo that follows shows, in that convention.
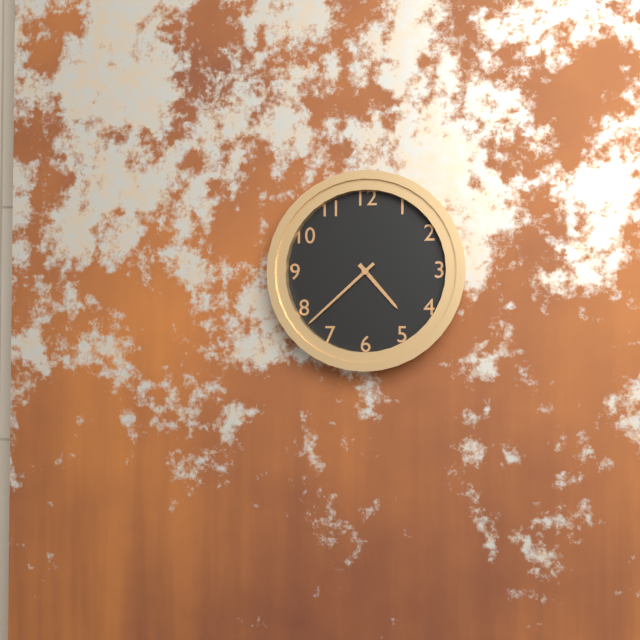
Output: 4h38
